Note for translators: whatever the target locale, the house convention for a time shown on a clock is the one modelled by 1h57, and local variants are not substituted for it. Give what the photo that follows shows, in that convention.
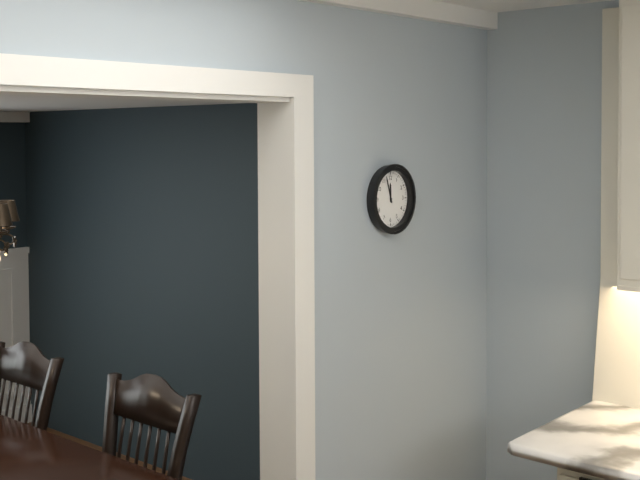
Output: 11h57
